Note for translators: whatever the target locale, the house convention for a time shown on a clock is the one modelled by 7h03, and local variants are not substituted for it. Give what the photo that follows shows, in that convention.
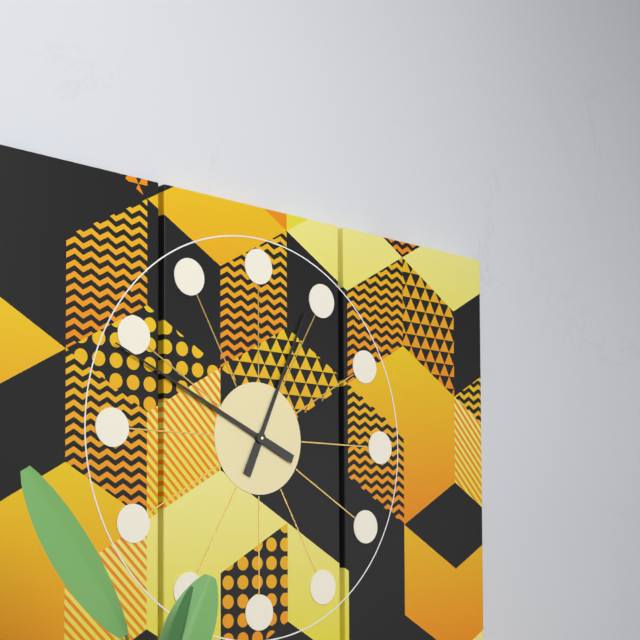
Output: 12h49
